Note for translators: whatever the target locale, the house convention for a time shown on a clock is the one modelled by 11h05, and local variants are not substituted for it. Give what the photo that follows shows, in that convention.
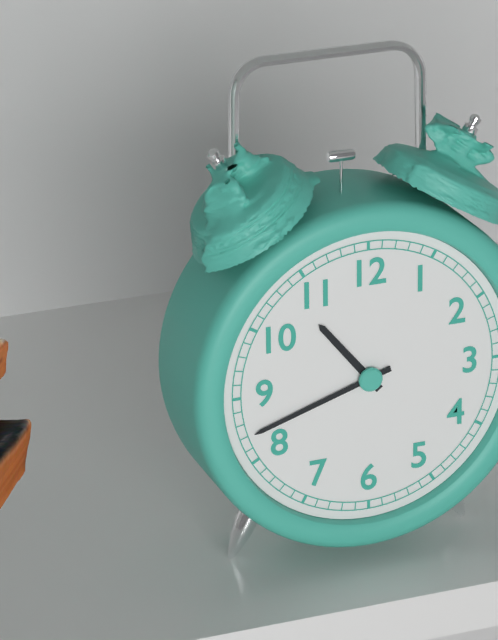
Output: 10h42
